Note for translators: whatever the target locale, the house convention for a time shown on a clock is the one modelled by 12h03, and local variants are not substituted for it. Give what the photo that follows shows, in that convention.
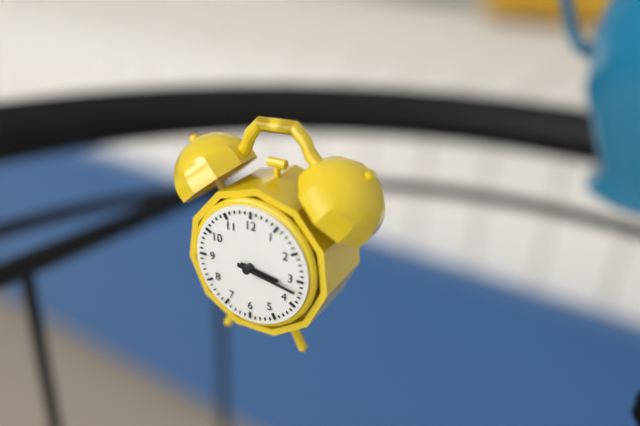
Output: 3h17
